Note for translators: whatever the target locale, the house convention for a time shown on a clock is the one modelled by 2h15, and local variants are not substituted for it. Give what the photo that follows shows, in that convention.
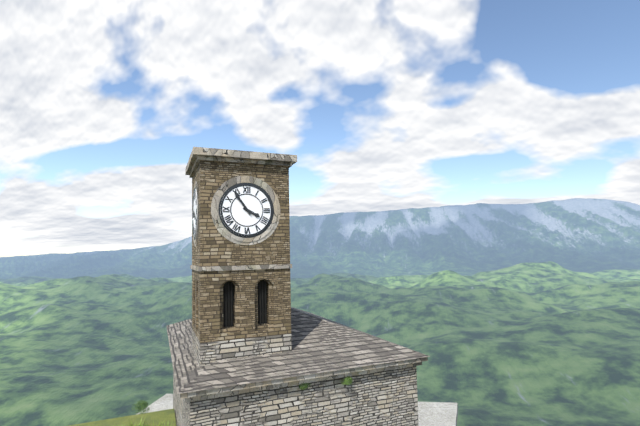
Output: 3h54
